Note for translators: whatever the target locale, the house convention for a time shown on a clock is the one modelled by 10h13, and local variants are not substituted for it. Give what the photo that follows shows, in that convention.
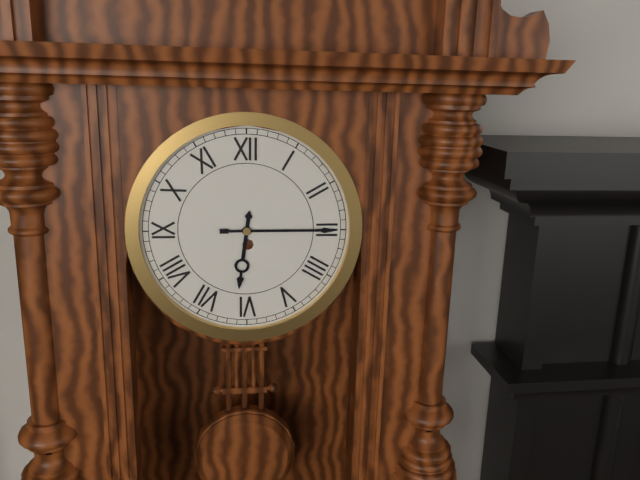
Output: 6h15
